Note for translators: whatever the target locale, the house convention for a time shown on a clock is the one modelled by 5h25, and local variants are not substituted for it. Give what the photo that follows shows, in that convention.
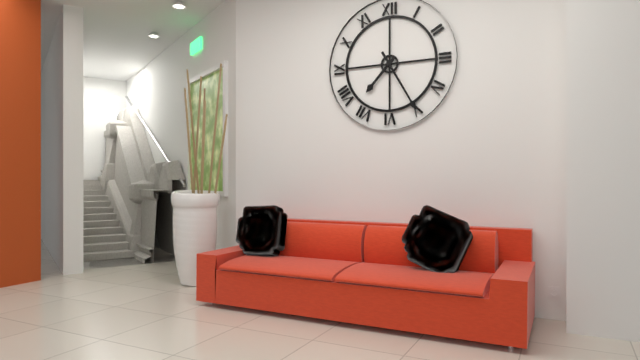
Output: 7h25
